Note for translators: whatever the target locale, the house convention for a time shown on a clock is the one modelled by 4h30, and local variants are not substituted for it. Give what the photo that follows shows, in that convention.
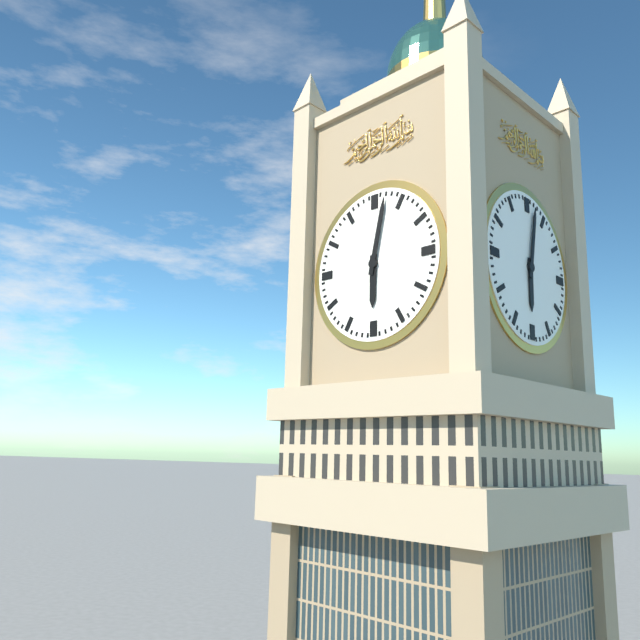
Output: 6h02
